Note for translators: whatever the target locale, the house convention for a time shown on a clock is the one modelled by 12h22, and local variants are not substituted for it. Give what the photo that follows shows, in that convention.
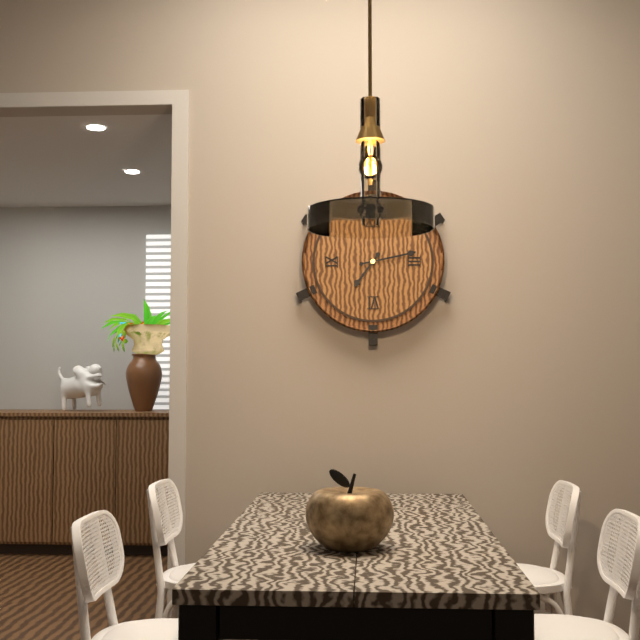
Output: 7h13
